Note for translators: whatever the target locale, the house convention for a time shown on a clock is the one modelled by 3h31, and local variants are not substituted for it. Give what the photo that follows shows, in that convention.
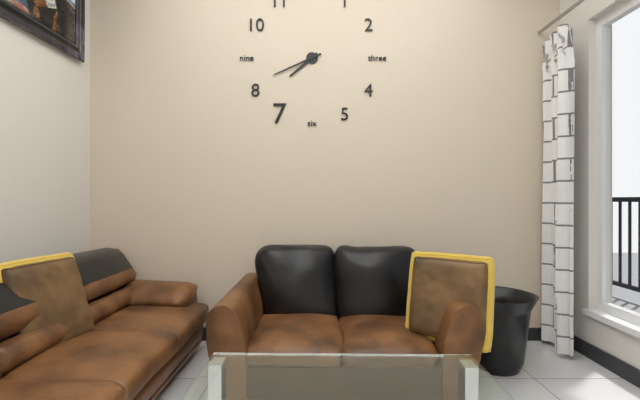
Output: 7h41
